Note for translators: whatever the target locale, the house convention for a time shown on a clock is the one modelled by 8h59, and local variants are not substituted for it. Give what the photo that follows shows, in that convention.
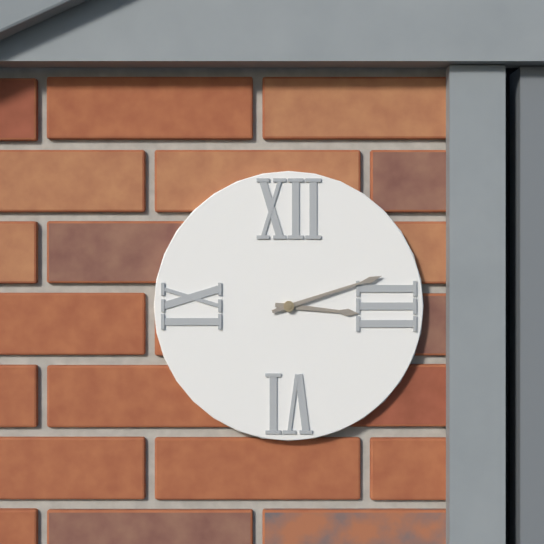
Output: 3h12
